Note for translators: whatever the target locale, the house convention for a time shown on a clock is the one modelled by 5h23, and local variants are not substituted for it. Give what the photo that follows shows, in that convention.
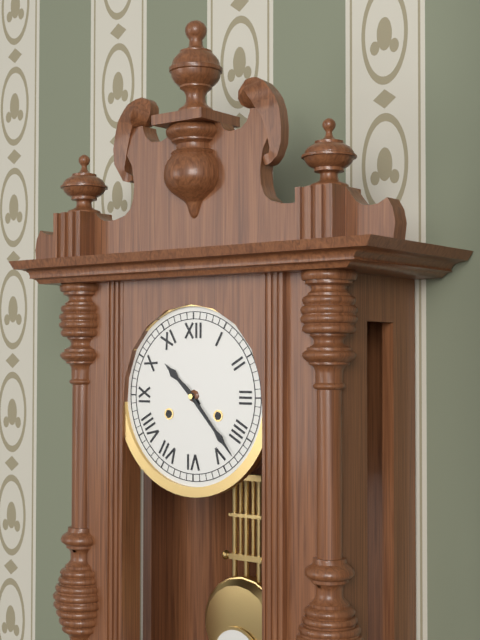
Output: 10h23
